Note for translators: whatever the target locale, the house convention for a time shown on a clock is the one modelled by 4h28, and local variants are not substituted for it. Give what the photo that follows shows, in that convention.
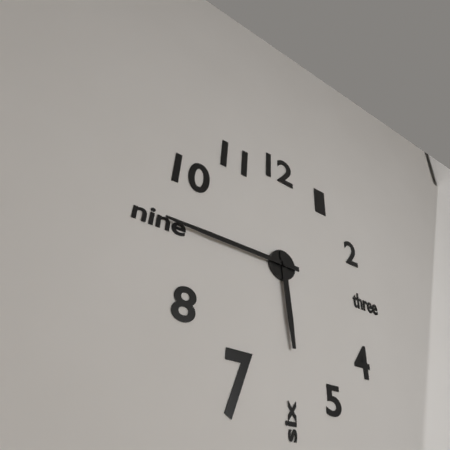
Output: 5h45
